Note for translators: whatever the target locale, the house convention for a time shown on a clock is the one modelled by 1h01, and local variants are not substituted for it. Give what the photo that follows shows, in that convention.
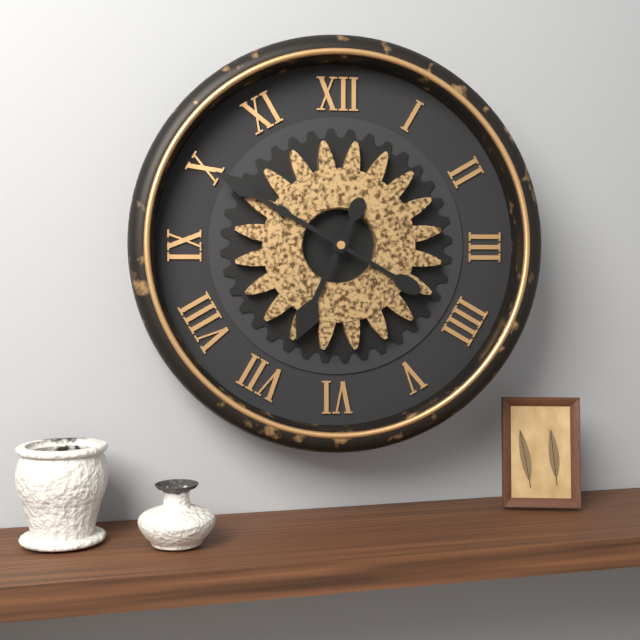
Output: 6h50
